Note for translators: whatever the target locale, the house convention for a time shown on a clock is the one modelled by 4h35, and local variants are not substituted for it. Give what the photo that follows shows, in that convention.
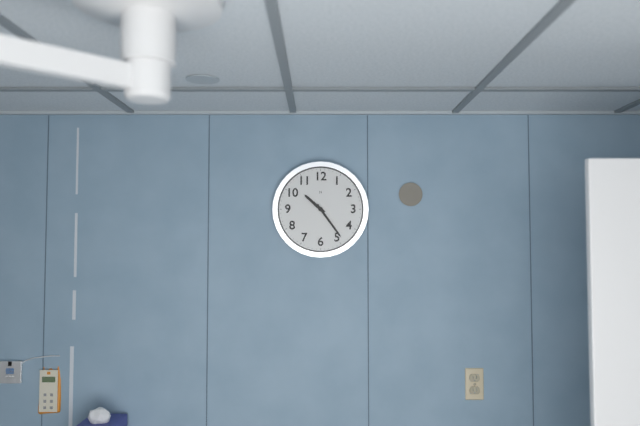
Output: 10h24
